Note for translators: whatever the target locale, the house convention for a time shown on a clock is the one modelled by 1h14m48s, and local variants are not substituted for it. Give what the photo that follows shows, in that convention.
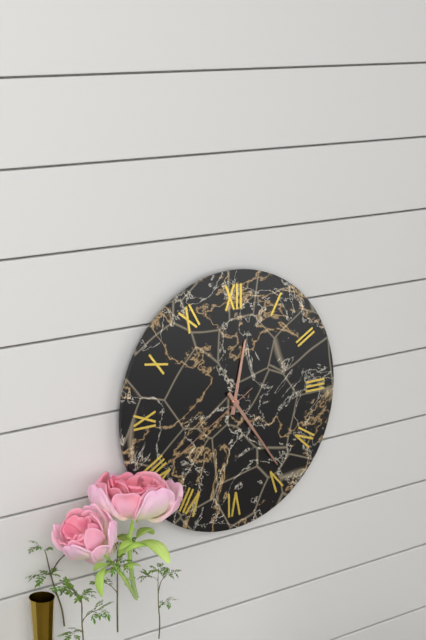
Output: 12h24m40s
